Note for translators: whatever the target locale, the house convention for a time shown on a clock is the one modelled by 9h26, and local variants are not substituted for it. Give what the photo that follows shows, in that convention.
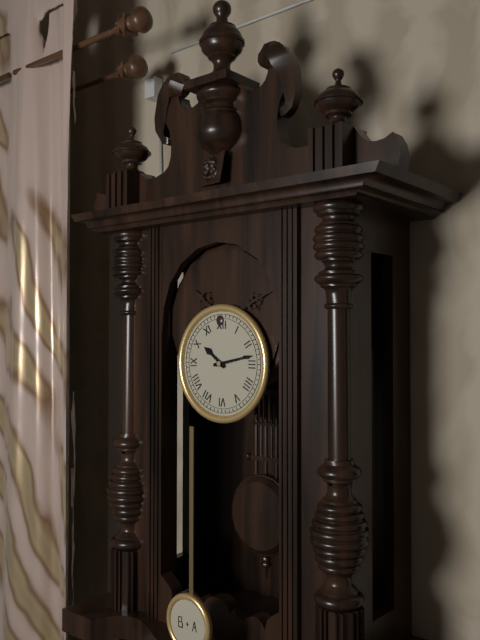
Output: 10h13
